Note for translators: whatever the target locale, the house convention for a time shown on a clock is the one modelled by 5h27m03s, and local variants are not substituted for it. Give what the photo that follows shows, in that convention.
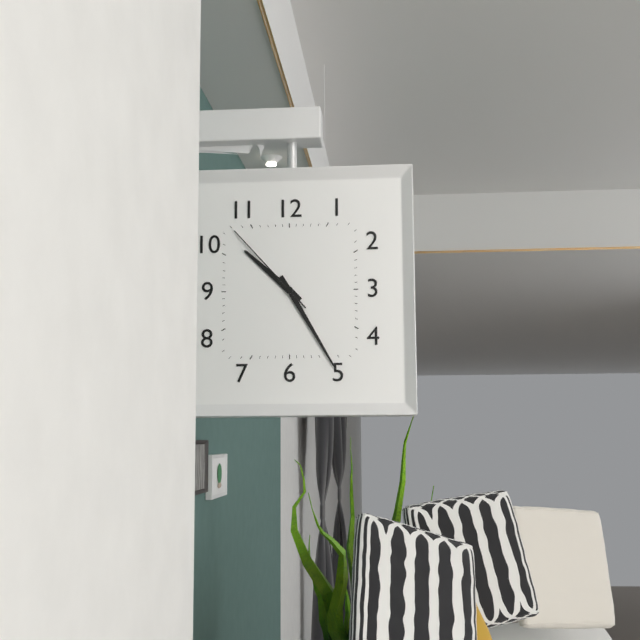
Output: 10h25m53s
